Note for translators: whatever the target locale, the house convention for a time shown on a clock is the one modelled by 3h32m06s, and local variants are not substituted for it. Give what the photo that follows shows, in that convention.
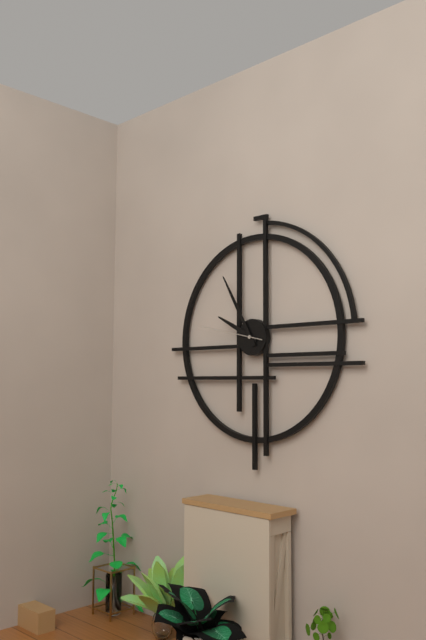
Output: 9h55m47s
